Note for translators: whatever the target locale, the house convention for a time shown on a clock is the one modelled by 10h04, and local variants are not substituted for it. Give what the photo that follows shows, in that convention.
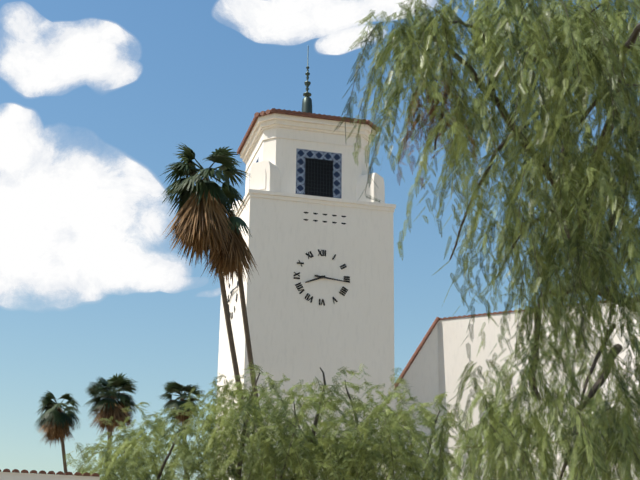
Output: 8h16
